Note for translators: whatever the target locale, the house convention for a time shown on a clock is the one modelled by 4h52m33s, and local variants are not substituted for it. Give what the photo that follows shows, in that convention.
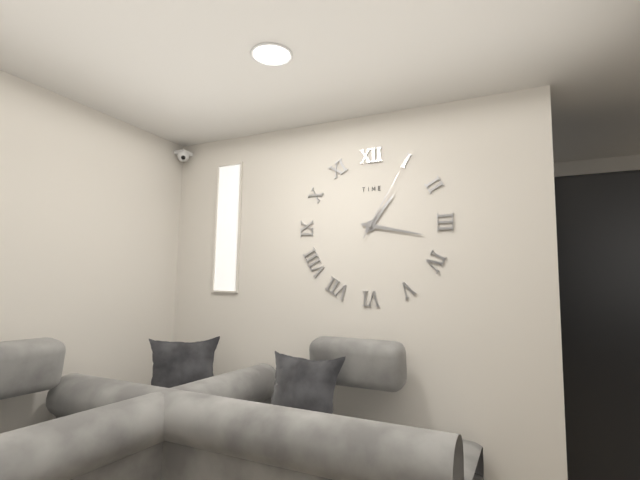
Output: 1h17m05s
